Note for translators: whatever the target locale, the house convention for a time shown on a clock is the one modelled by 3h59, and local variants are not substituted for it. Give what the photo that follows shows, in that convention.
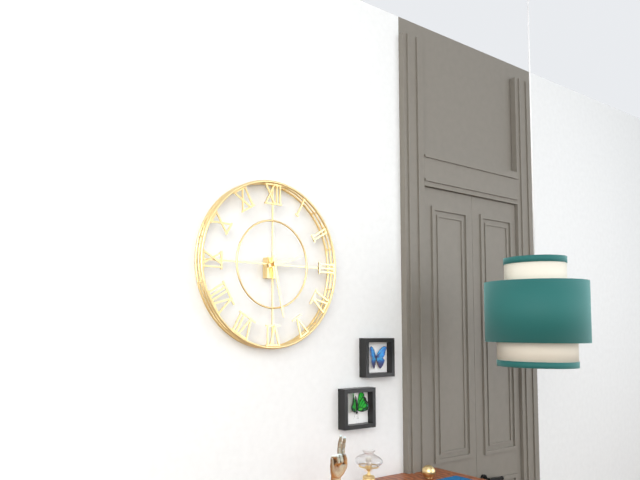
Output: 2h28
